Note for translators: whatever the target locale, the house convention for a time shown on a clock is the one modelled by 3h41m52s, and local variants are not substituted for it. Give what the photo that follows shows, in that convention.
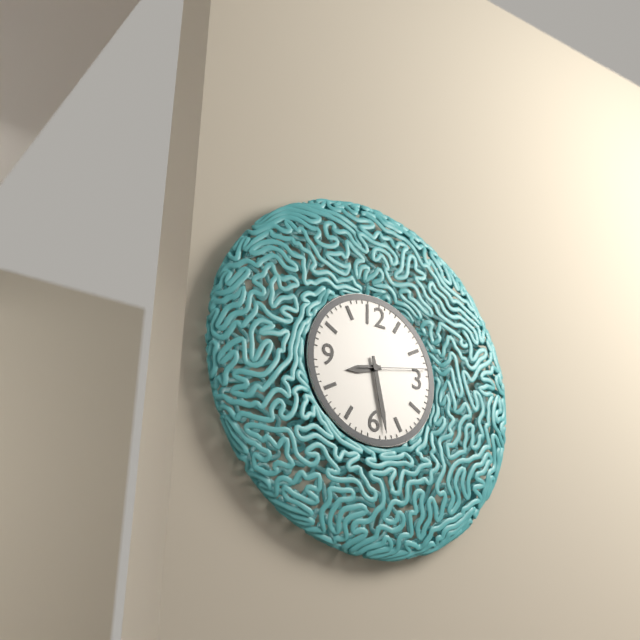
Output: 8h28m13s
